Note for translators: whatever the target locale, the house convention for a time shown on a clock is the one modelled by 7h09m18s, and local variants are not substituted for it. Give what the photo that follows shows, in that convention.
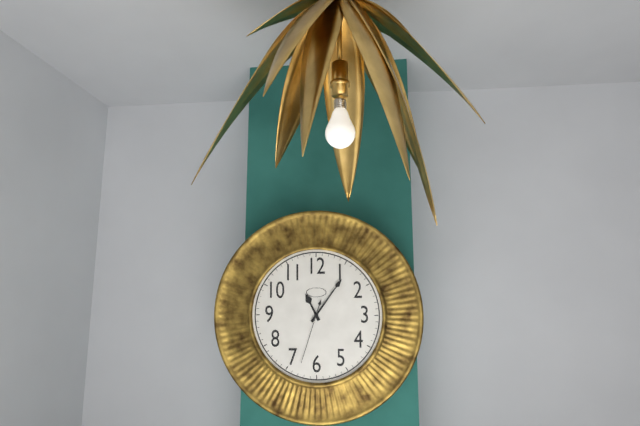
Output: 11h06m33s
